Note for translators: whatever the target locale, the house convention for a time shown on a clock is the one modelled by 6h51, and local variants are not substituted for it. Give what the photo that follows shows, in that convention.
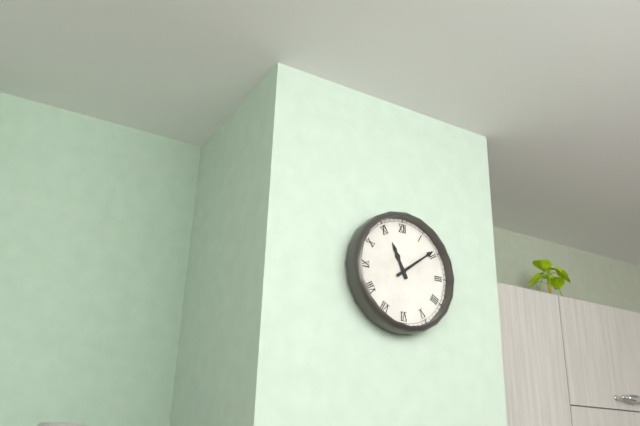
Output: 11h09
